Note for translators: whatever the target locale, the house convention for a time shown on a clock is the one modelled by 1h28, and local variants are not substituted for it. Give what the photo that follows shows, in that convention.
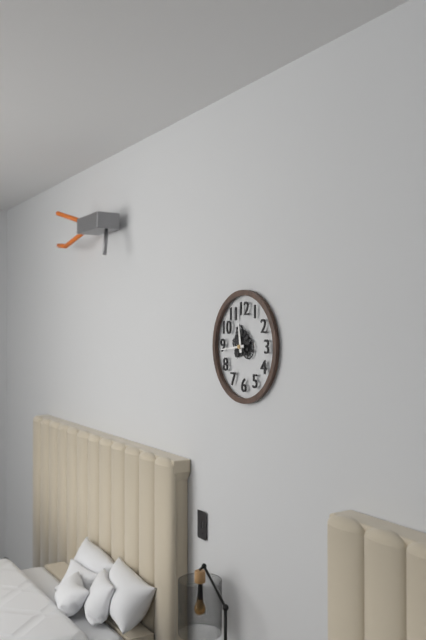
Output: 11h44
